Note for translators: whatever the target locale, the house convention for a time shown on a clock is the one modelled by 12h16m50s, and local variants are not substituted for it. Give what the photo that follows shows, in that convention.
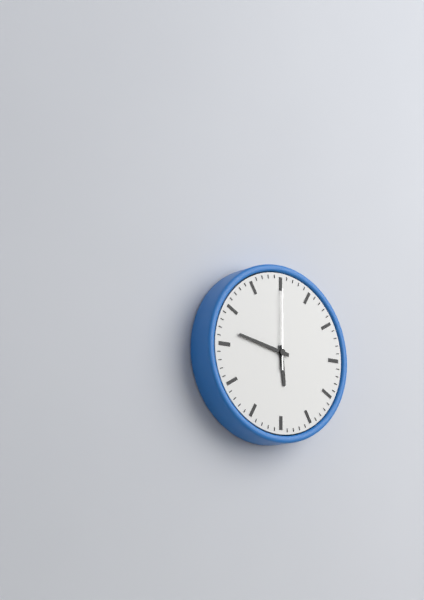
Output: 5h47m00s
